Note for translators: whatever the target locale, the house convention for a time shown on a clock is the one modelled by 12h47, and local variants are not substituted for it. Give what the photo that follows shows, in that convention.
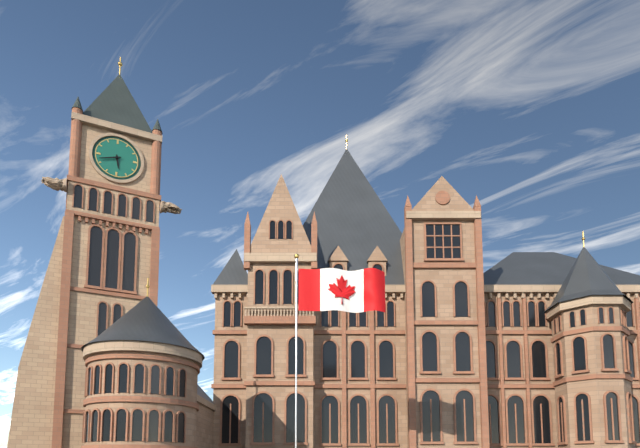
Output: 5h42
